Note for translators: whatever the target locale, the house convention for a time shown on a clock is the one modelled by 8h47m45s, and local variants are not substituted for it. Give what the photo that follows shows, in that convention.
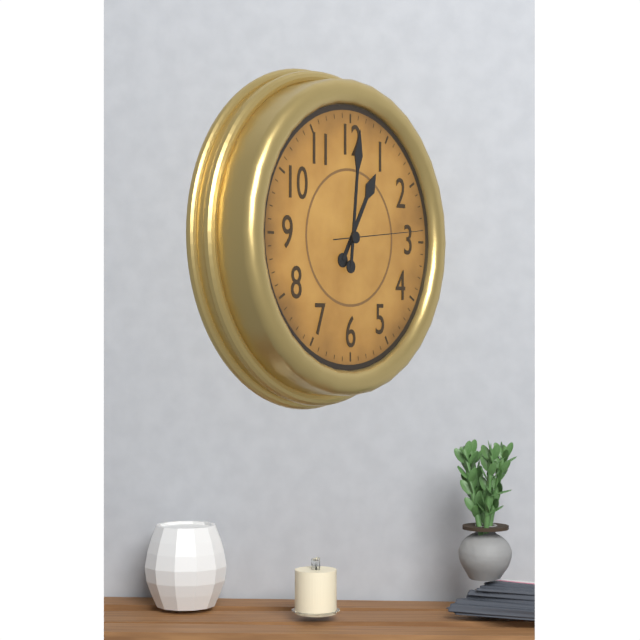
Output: 1h01m14s
